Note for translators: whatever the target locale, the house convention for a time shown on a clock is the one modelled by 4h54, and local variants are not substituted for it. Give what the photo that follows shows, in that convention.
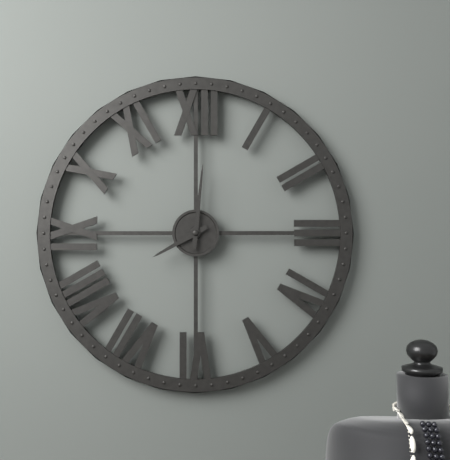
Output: 8h01
